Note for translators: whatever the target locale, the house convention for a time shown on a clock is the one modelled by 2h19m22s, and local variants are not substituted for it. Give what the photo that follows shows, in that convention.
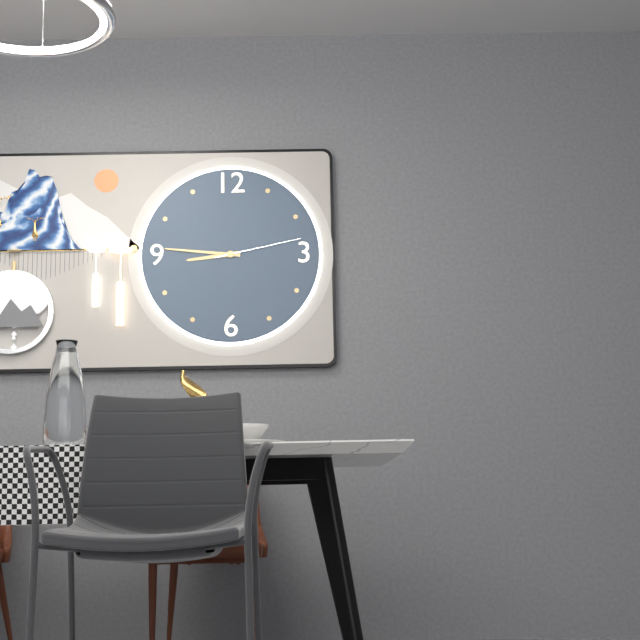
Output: 8h46m13s
